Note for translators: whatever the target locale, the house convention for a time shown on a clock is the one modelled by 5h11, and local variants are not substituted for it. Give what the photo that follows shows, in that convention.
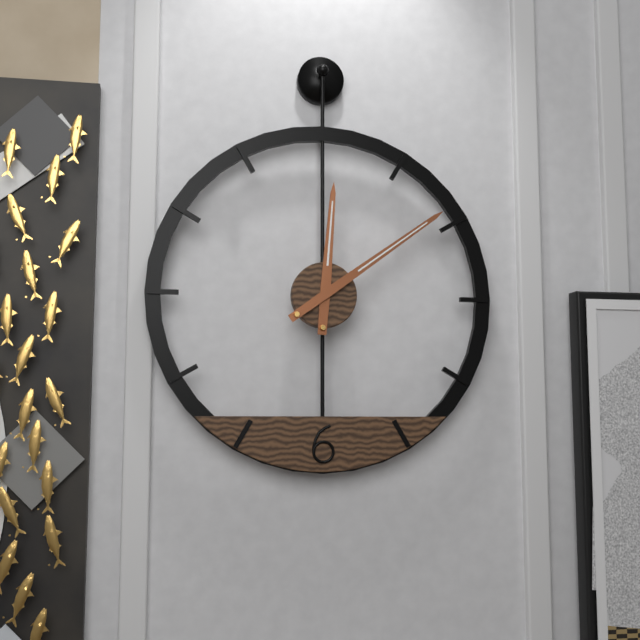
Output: 12h09
